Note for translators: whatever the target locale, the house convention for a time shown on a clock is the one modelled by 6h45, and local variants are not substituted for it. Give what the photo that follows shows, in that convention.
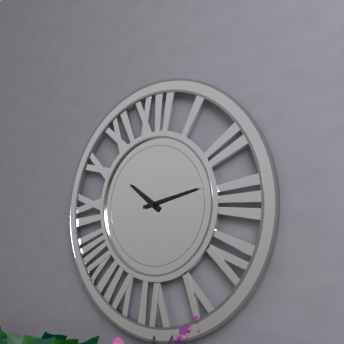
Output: 10h13
